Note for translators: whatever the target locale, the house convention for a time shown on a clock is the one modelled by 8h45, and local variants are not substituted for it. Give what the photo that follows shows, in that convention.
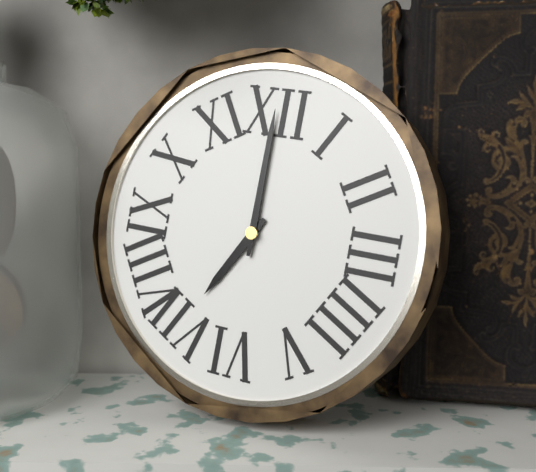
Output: 7h00
